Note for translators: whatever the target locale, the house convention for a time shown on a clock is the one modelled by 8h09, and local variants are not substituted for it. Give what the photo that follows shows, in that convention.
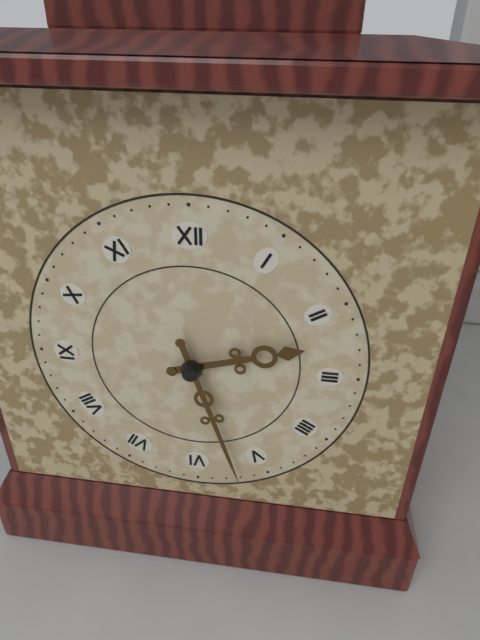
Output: 2h27
